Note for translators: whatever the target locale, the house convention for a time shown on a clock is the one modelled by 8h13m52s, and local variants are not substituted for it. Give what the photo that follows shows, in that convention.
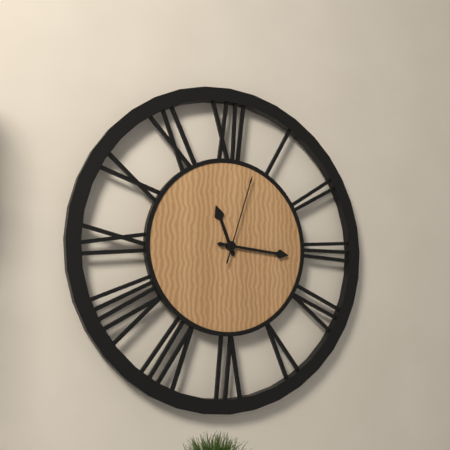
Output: 11h16m03s
